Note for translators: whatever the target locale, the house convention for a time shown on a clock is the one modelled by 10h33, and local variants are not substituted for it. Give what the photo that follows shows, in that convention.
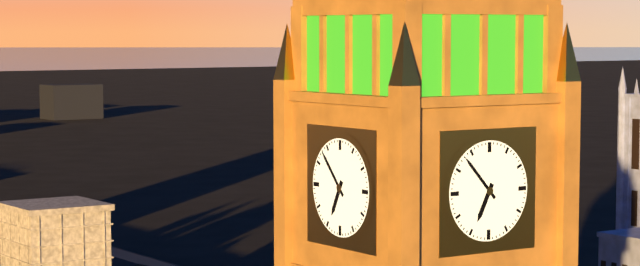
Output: 6h53
